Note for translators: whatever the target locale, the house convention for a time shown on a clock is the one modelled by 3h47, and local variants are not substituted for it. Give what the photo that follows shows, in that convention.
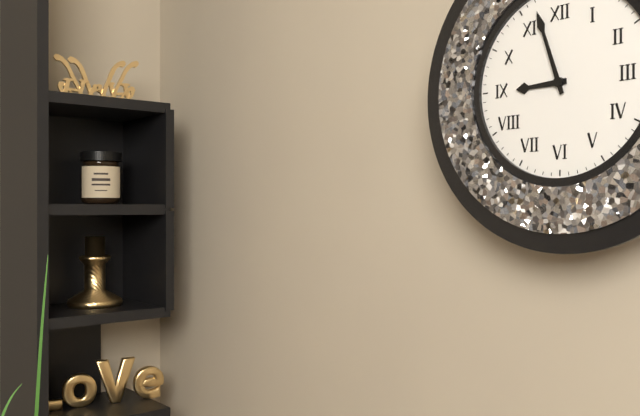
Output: 8h57
